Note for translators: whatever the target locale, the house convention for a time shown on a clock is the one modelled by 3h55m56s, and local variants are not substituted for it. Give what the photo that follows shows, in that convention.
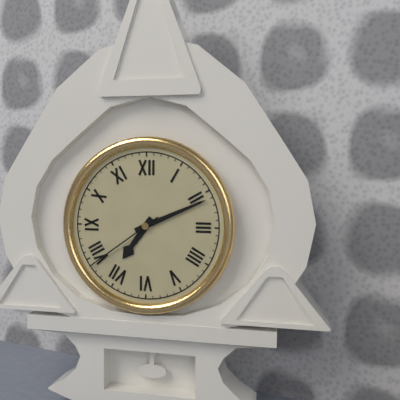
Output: 7h11m39s
